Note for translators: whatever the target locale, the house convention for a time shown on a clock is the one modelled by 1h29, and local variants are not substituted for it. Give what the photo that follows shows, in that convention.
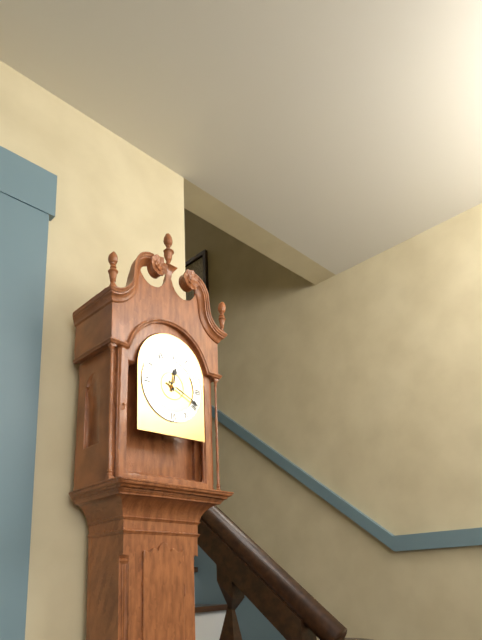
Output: 12h19
